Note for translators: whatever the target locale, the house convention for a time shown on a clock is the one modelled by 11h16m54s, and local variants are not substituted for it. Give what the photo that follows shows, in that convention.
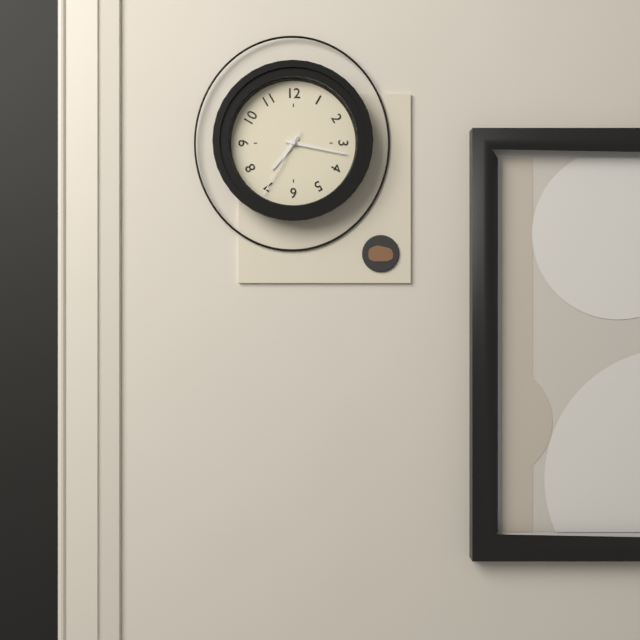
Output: 7h17m35s
